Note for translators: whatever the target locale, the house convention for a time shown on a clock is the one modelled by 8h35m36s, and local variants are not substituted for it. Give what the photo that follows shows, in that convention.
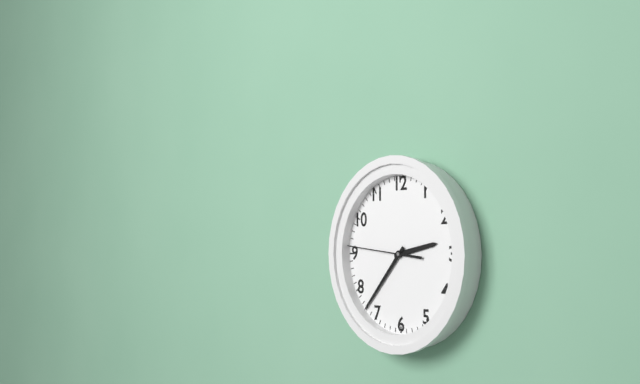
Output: 2h37m46s
